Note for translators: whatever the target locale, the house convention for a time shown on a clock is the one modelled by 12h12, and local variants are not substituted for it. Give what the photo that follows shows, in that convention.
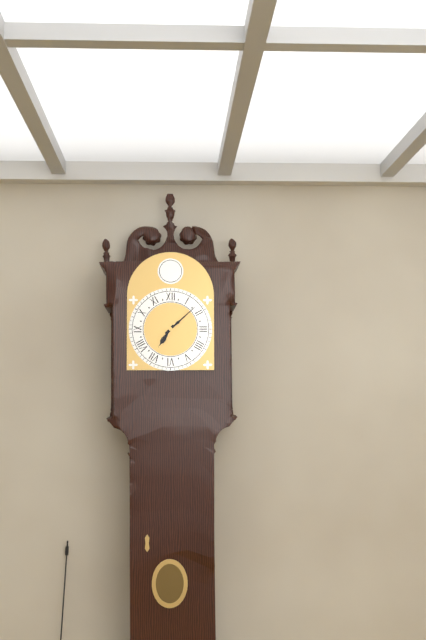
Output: 7h08
